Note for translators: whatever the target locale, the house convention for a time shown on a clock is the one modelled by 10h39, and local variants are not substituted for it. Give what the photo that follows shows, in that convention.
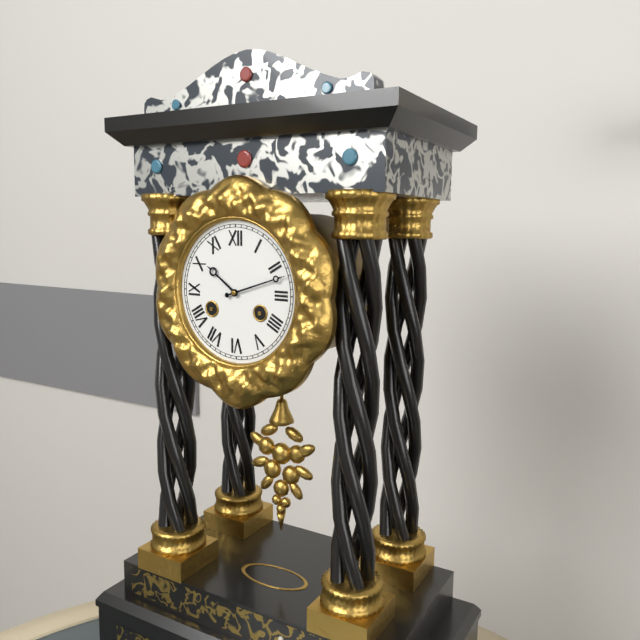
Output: 10h12
